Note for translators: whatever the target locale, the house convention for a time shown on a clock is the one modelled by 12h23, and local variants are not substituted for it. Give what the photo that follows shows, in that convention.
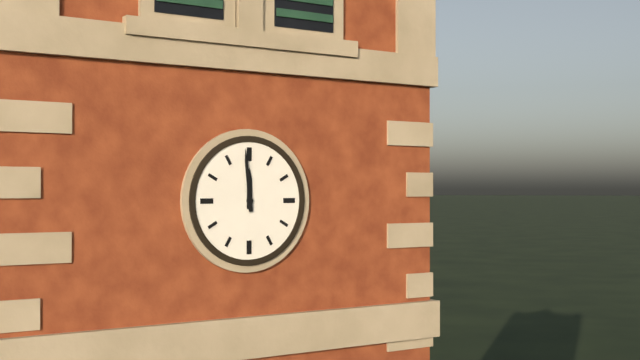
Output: 11h59
